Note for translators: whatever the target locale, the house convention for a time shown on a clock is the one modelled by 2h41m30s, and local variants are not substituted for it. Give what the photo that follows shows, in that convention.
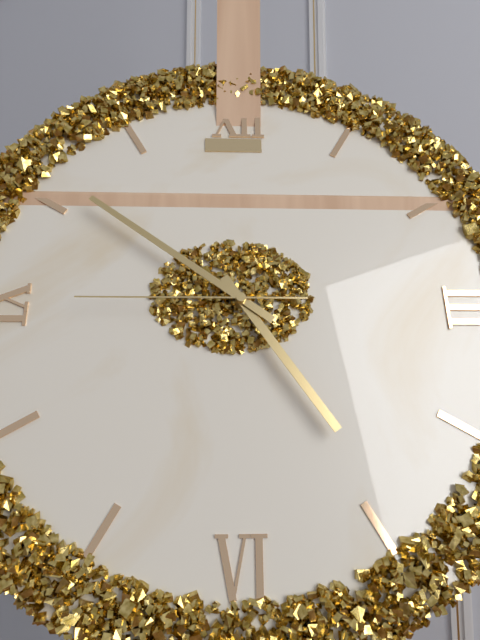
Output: 4h51m45s
